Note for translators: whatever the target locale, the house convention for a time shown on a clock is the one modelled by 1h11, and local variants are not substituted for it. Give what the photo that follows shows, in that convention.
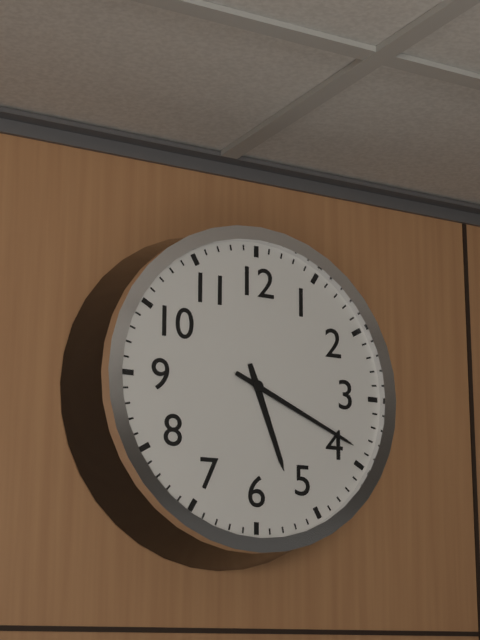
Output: 5h19
